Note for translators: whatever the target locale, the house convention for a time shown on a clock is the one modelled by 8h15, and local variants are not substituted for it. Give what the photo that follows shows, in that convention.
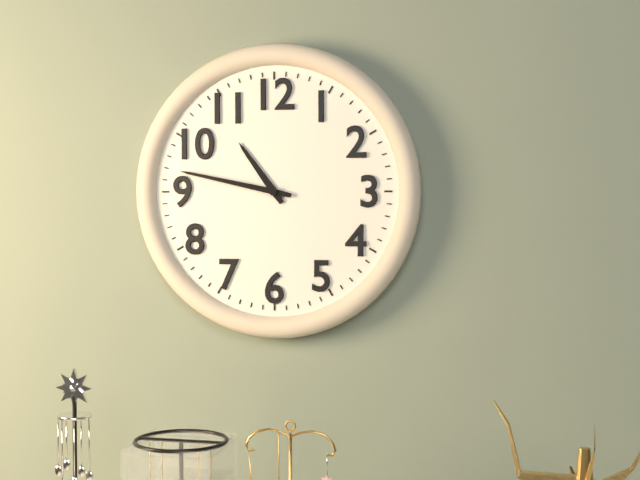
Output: 10h47
